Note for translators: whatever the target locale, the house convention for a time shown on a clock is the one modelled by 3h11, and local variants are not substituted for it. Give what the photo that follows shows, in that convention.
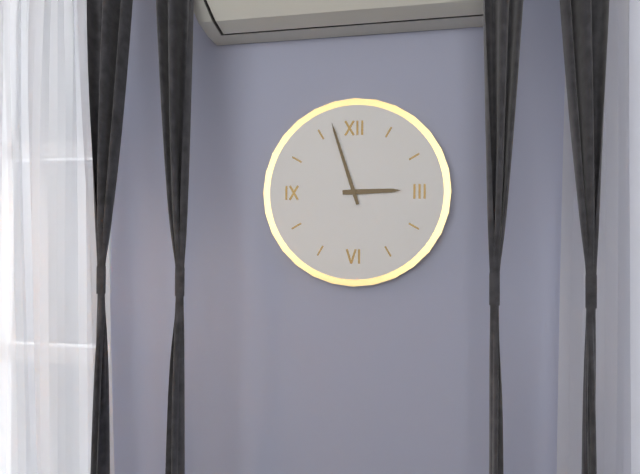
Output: 2h57
